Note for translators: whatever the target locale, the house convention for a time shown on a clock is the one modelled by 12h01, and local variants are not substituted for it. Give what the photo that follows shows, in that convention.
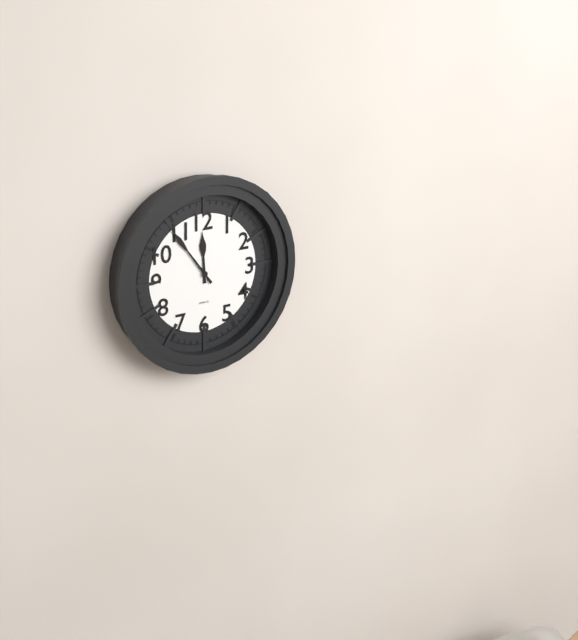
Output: 11h54
